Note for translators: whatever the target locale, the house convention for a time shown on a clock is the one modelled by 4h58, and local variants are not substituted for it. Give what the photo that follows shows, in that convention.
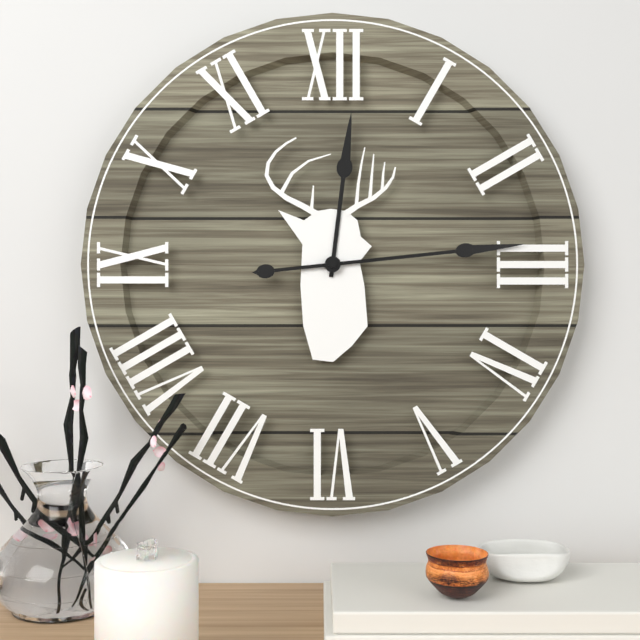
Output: 12h14
